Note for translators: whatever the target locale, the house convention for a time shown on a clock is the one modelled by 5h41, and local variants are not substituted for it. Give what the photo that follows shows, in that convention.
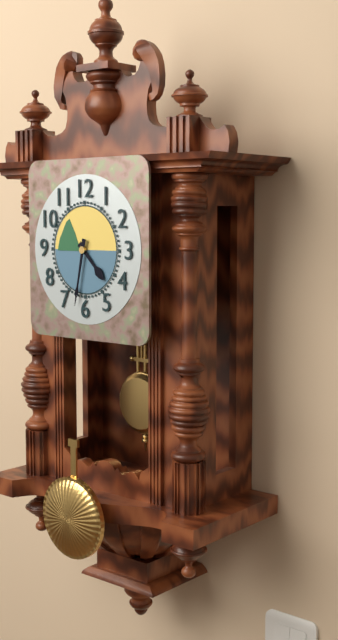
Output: 4h32
